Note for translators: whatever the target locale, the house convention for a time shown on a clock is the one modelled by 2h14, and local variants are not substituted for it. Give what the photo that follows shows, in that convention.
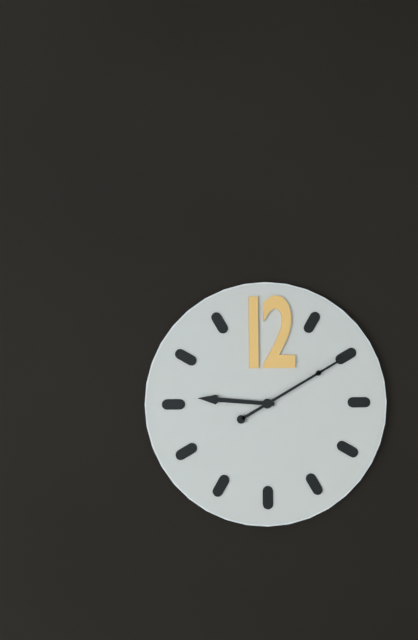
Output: 9h10
